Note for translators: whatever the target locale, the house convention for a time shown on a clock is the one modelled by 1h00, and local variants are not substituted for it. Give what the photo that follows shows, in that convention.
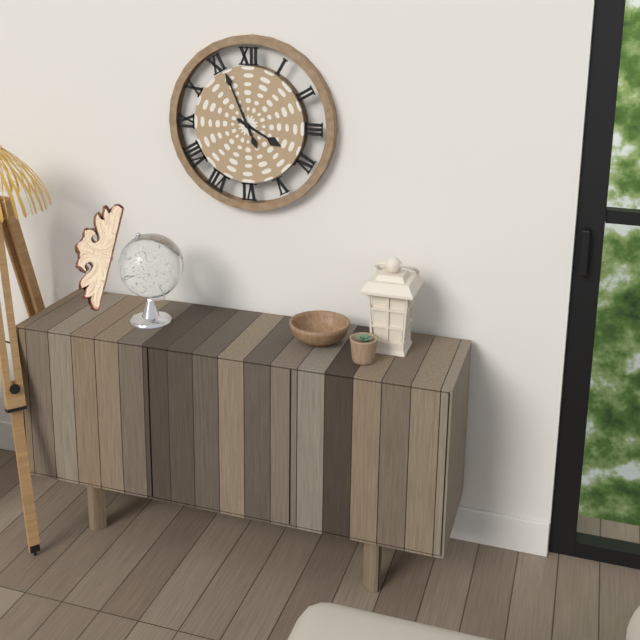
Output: 3h56
